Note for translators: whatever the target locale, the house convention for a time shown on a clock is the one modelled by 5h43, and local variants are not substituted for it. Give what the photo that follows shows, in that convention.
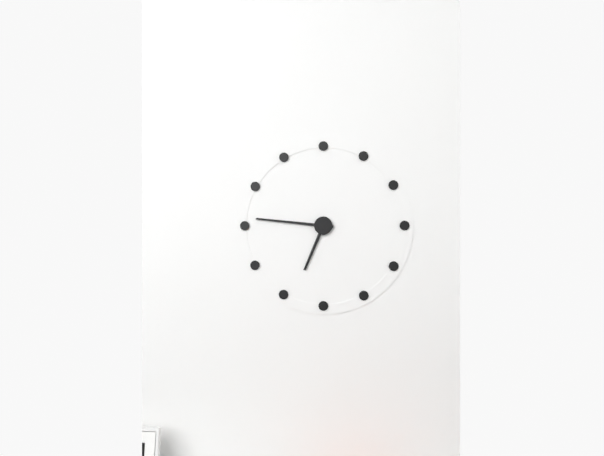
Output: 6h46
